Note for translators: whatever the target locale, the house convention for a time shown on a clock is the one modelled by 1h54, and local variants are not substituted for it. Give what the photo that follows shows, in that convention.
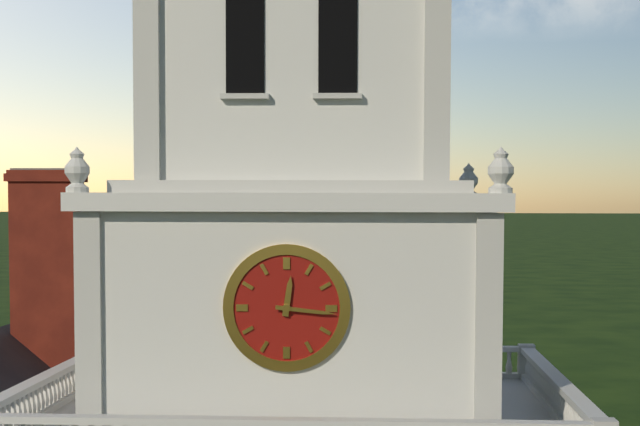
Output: 12h16
